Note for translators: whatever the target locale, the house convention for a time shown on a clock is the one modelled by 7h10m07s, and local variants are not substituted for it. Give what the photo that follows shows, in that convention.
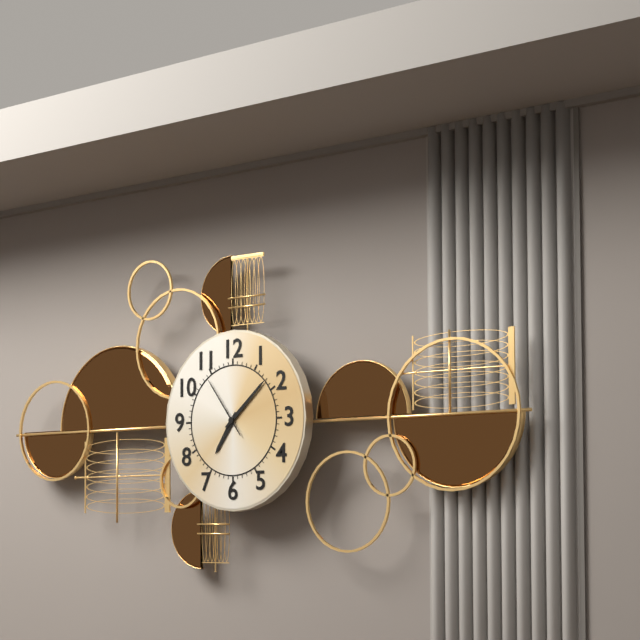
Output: 7h08m54s
